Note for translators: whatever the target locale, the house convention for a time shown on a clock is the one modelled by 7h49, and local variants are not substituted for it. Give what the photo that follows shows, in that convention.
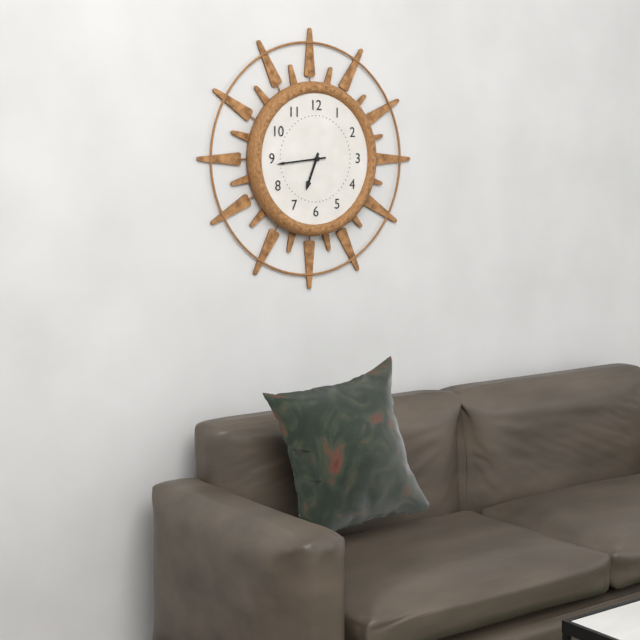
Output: 6h44
